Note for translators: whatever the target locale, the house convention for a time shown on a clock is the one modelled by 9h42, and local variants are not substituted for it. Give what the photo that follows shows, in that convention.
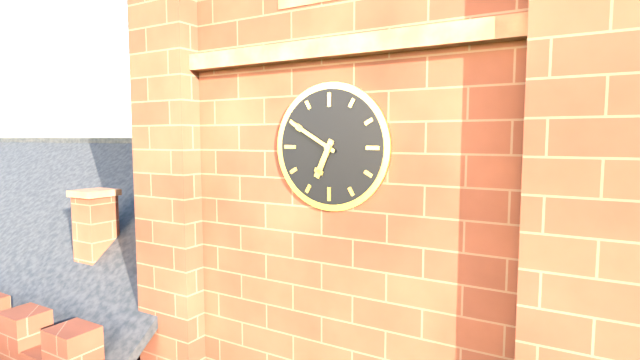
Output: 6h50
